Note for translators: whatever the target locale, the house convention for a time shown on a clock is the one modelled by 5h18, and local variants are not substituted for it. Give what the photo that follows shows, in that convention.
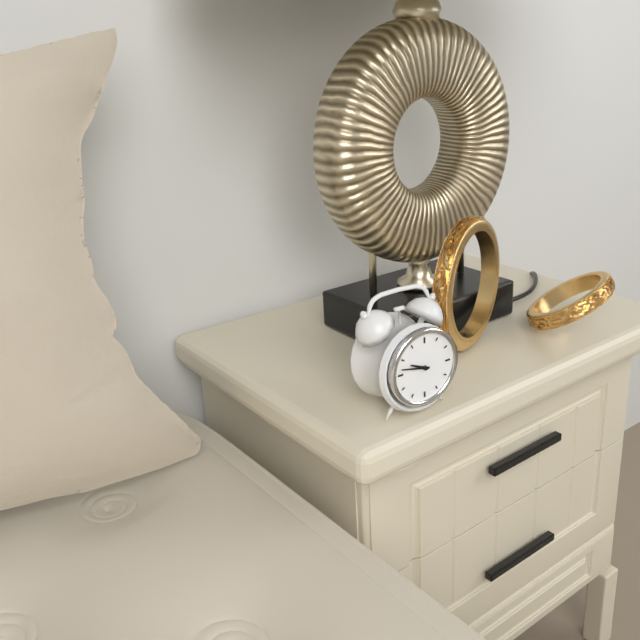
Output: 9h47
